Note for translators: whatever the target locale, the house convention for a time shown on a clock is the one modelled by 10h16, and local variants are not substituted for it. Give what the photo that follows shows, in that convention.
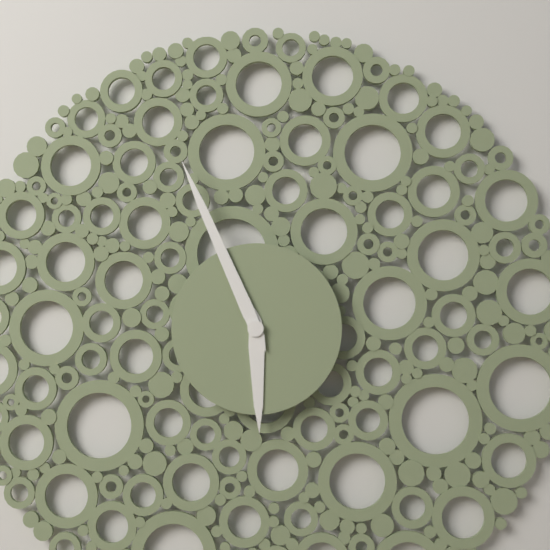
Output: 5h56
